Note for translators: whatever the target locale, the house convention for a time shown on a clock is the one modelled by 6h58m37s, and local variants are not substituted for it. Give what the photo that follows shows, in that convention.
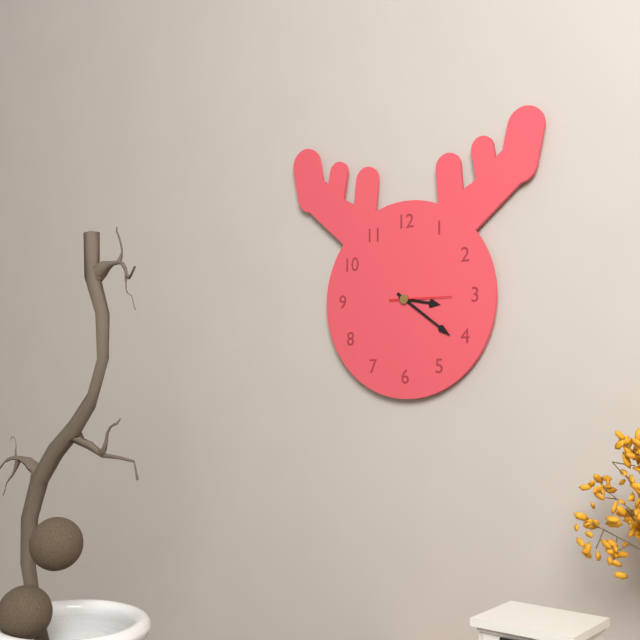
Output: 3h21m15s
